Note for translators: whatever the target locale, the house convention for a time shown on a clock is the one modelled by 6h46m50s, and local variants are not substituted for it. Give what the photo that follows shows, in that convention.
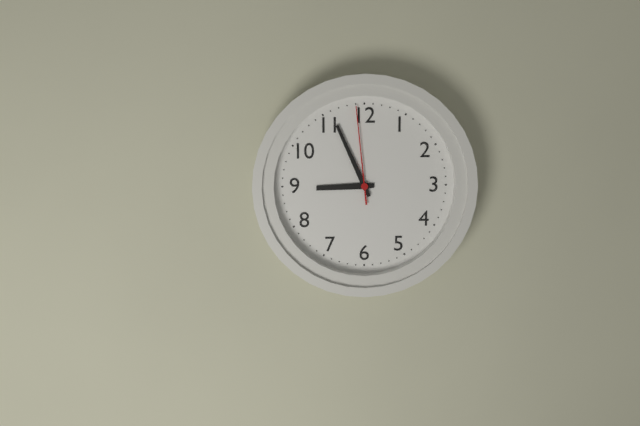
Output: 8h56m59s
